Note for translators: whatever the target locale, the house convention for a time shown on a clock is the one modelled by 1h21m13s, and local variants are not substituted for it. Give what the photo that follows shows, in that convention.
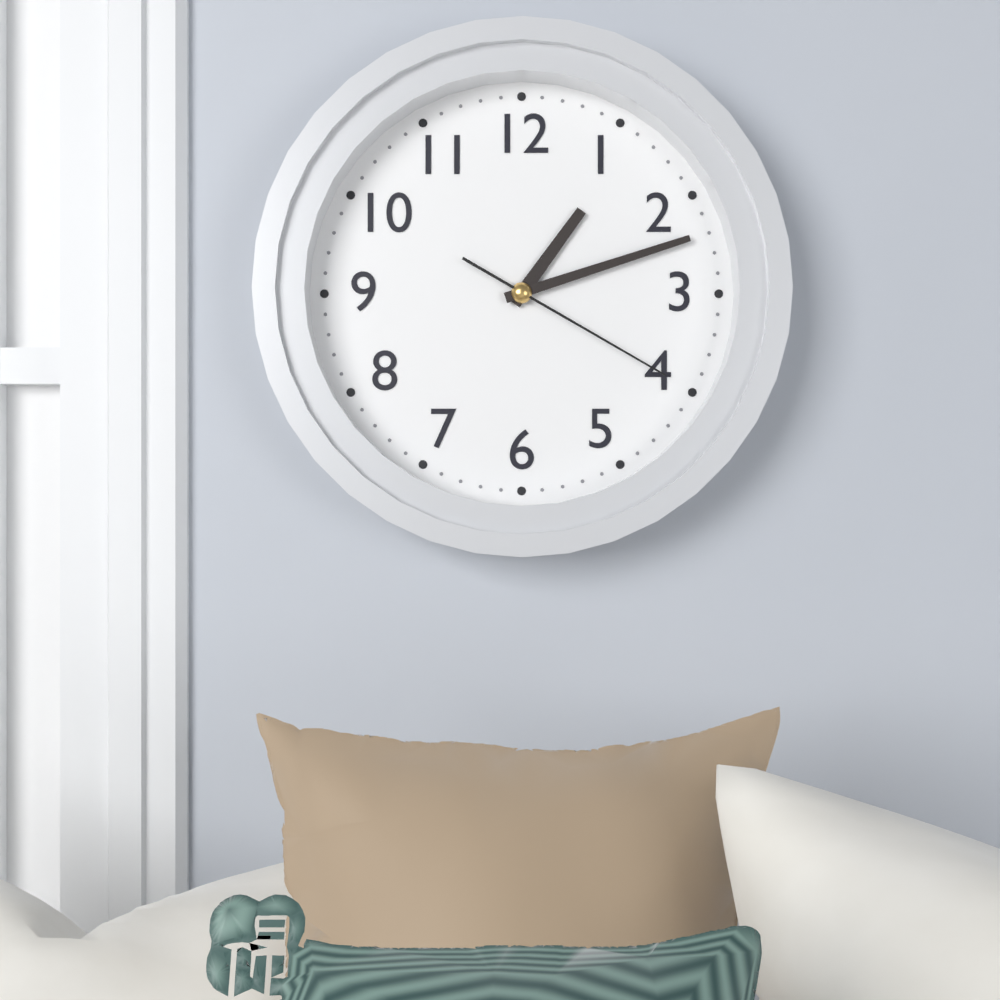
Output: 1h12m20s
